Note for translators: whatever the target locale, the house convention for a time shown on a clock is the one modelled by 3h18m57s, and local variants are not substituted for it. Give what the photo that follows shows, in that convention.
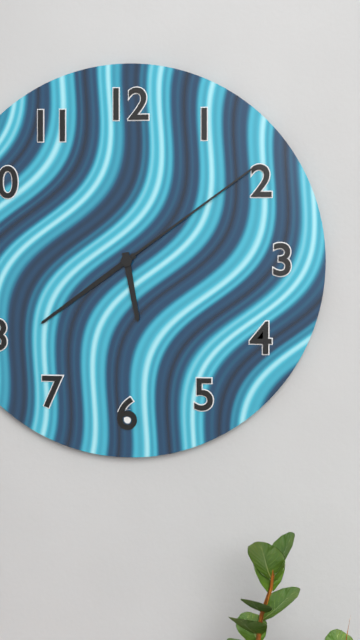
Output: 5h39m09s
